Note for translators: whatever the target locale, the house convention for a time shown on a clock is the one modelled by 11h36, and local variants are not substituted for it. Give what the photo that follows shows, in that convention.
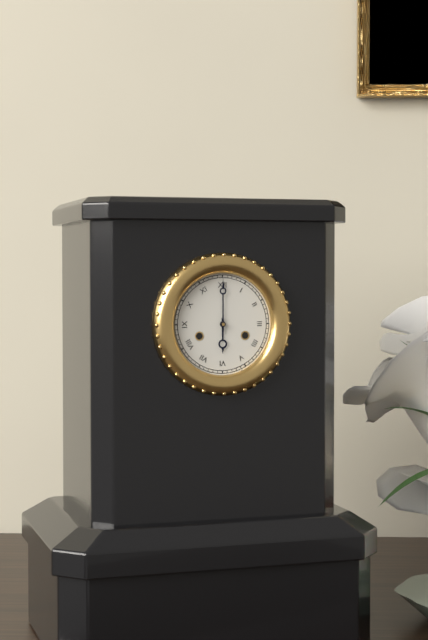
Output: 6h00
